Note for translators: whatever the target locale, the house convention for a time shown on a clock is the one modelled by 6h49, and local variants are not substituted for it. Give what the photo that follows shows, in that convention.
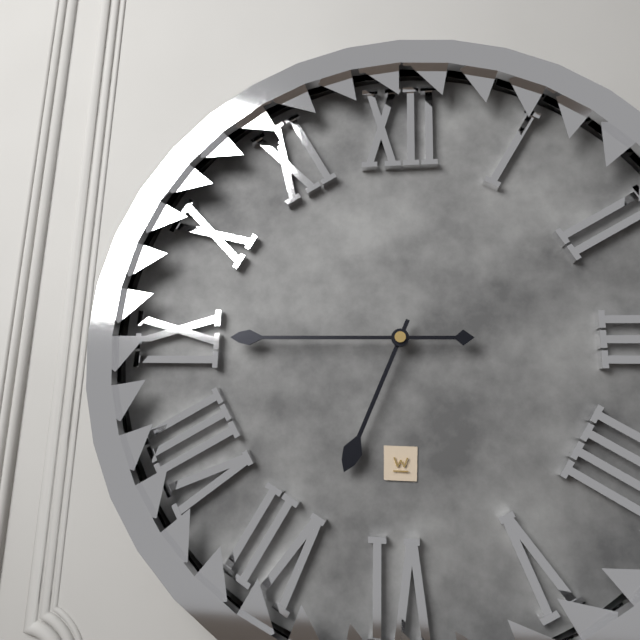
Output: 6h45
